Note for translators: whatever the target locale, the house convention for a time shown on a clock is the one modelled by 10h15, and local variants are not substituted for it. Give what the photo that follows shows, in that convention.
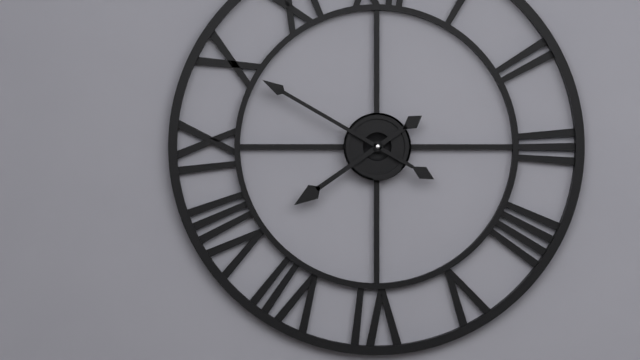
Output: 7h50
